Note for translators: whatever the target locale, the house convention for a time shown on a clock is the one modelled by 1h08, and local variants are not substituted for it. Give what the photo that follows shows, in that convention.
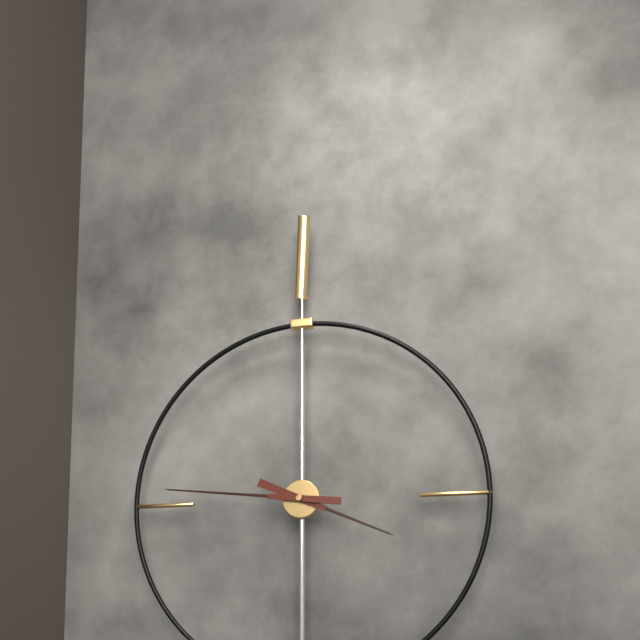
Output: 3h46
